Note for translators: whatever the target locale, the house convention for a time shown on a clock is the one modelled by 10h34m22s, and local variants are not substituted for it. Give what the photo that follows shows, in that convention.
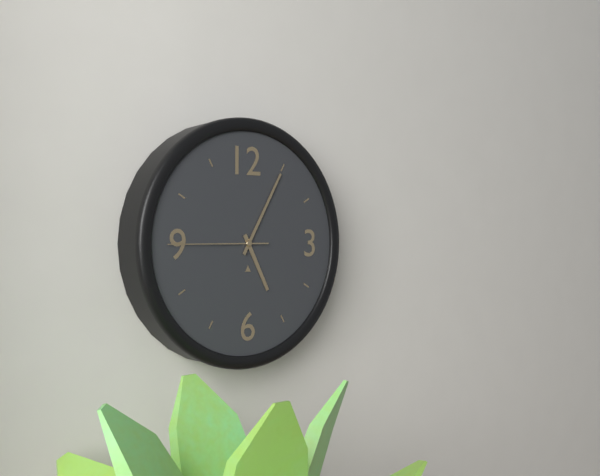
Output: 5h05m45s
